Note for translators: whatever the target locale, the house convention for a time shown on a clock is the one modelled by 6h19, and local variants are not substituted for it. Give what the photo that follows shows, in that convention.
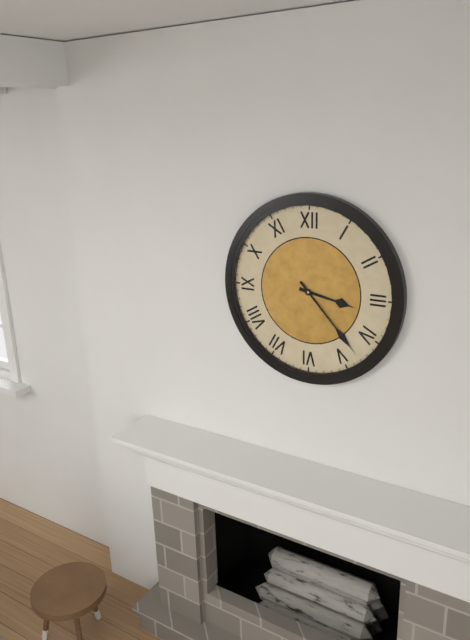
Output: 3h23
